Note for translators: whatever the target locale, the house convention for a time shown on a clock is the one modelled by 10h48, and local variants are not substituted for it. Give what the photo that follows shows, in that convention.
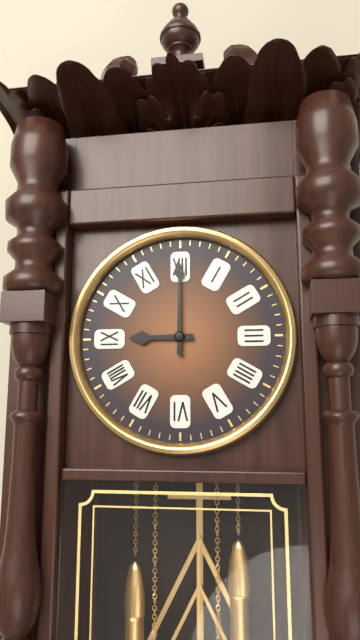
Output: 9h00
